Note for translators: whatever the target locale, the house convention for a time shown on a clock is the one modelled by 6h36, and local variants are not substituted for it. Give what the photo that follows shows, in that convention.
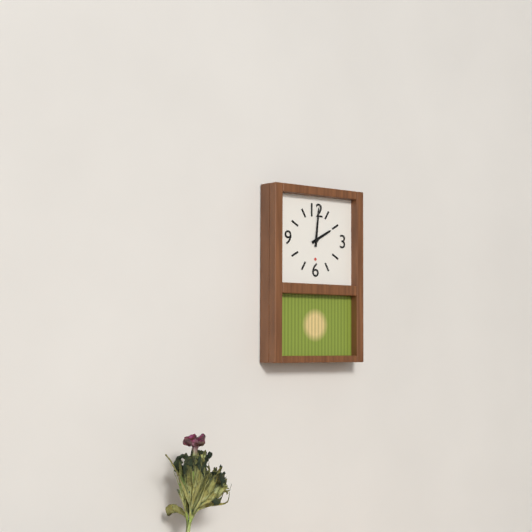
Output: 2h01
